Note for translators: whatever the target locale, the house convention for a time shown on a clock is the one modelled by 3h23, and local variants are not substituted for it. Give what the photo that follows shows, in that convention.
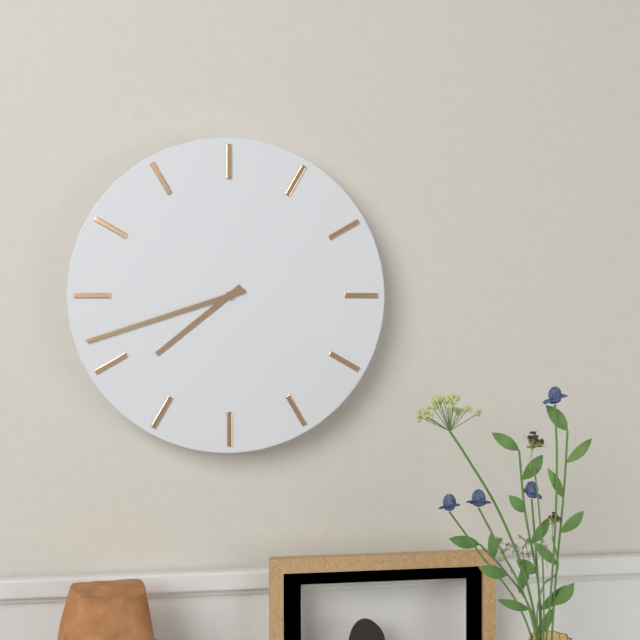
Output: 7h42
